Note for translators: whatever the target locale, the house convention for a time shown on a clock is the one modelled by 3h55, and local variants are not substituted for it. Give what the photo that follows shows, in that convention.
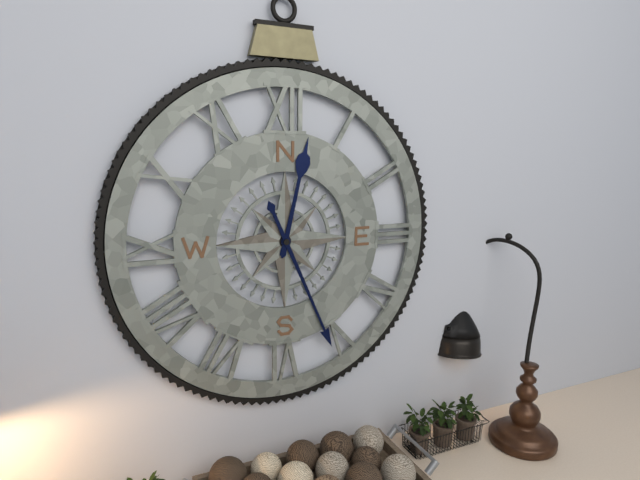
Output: 12h26
